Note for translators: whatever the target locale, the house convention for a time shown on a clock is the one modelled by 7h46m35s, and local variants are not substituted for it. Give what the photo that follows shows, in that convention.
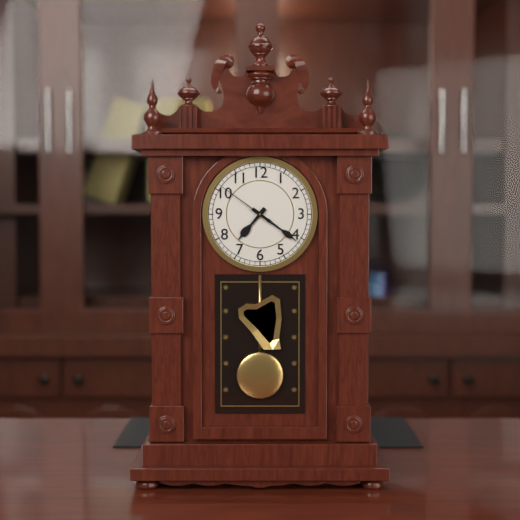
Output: 7h21m51s
